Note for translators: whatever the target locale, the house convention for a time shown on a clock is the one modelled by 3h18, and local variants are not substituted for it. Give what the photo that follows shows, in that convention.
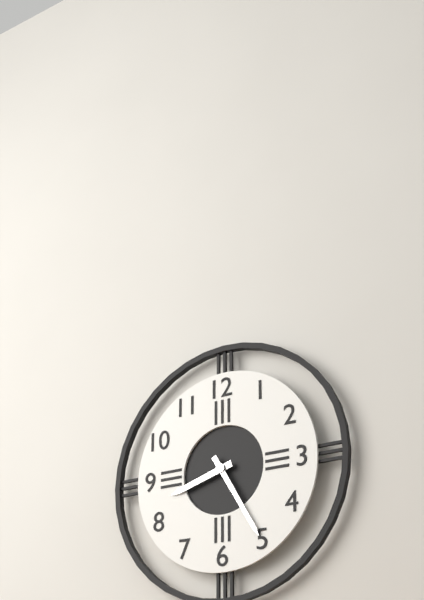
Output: 8h25
